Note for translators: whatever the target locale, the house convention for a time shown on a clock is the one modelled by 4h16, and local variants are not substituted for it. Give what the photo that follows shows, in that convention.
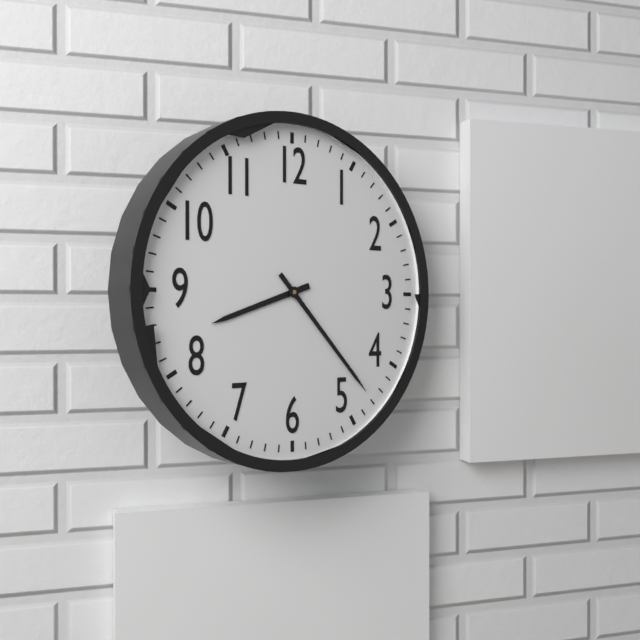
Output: 8h23
